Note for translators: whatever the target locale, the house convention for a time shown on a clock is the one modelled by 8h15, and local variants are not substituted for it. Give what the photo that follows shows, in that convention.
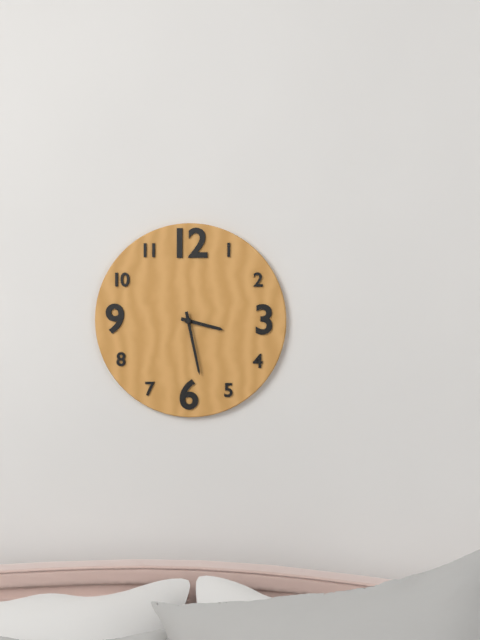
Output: 3h28
